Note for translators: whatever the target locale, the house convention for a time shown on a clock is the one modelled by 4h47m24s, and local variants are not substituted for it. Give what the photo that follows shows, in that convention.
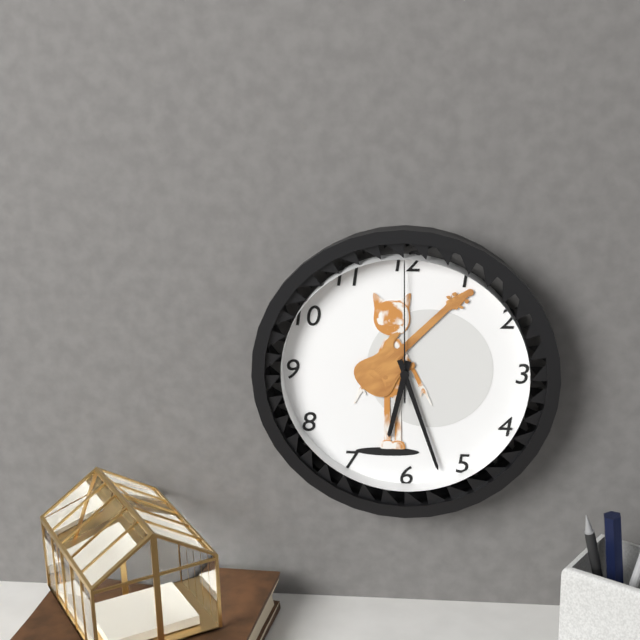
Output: 6h27m00s
